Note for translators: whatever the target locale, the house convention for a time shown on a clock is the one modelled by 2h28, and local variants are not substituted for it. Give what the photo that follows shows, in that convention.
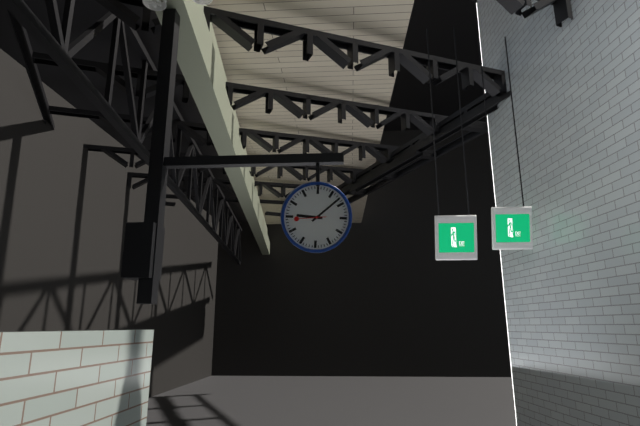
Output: 9h08
